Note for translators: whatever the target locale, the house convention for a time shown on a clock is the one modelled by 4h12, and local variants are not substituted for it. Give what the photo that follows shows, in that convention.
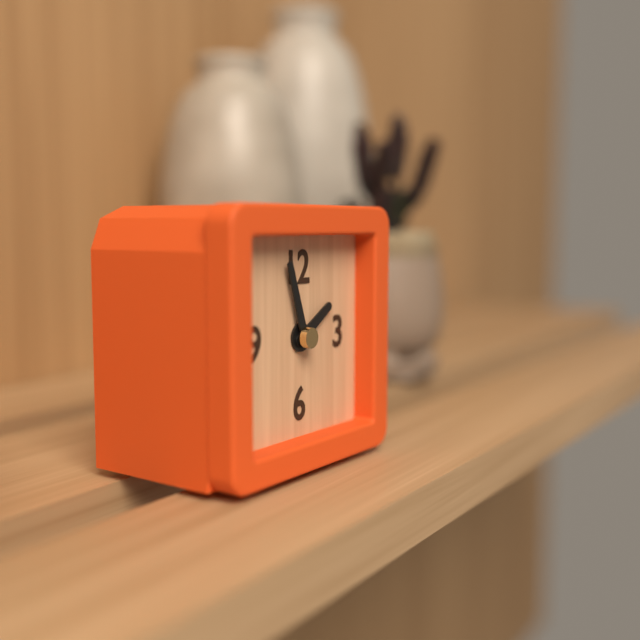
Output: 1h57
